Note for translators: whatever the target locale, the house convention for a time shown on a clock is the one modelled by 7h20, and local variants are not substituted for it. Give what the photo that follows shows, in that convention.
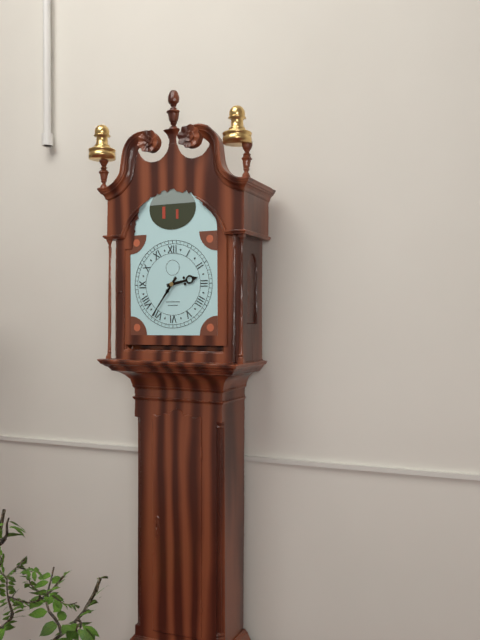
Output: 2h36
